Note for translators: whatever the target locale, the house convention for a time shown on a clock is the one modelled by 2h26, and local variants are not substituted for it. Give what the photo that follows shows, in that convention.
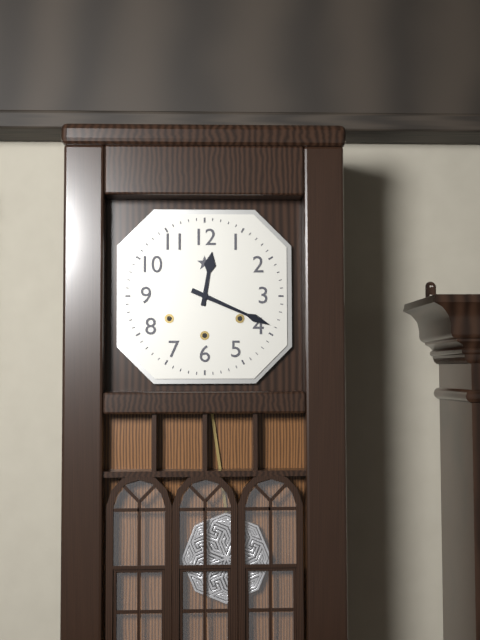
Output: 12h19
